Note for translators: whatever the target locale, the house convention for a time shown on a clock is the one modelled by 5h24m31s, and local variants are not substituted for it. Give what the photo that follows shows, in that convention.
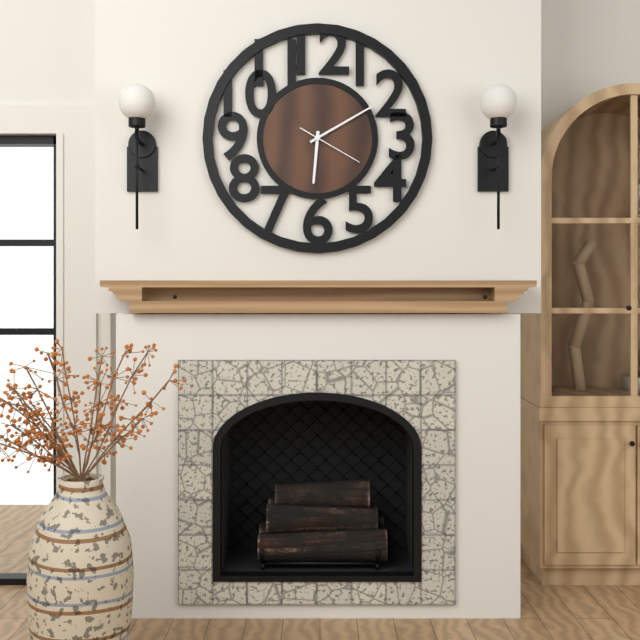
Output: 6h10m20s
